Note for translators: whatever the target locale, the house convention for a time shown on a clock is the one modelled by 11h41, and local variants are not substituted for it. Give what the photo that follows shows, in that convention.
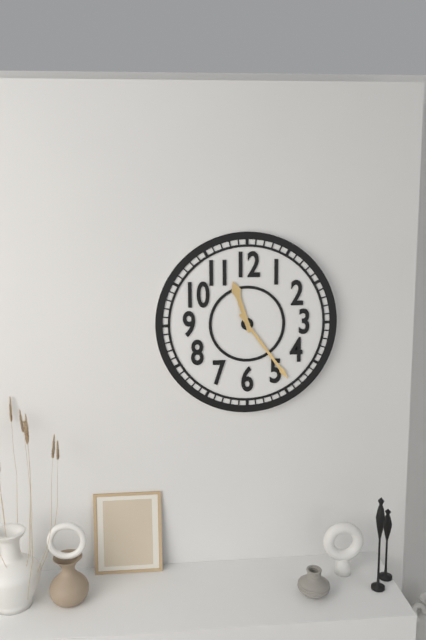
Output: 11h24
